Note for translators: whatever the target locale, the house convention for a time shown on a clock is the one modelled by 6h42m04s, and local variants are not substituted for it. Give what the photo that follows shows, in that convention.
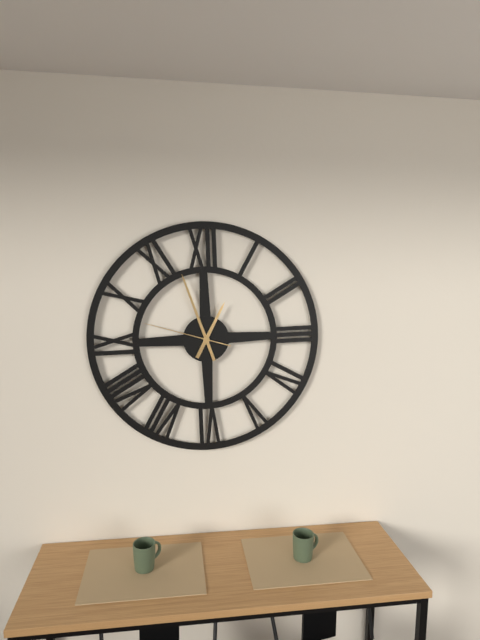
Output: 12h57m48s
